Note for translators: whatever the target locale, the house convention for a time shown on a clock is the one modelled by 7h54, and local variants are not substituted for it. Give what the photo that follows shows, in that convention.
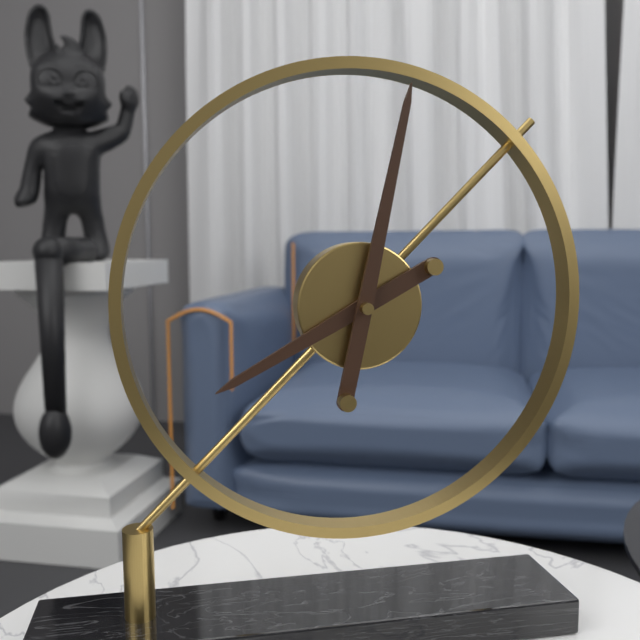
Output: 8h02
